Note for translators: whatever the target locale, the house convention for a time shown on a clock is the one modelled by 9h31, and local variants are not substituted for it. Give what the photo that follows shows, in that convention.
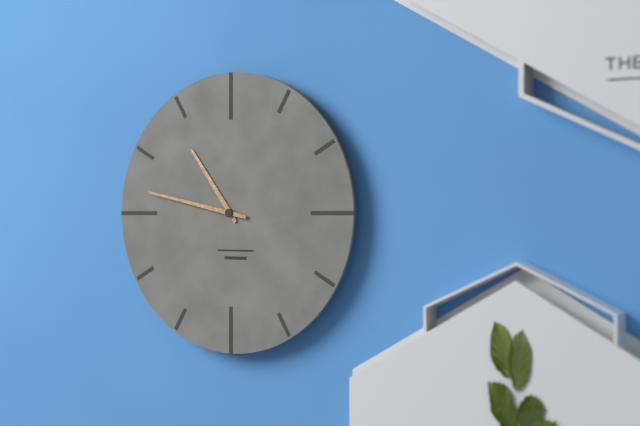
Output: 10h47
